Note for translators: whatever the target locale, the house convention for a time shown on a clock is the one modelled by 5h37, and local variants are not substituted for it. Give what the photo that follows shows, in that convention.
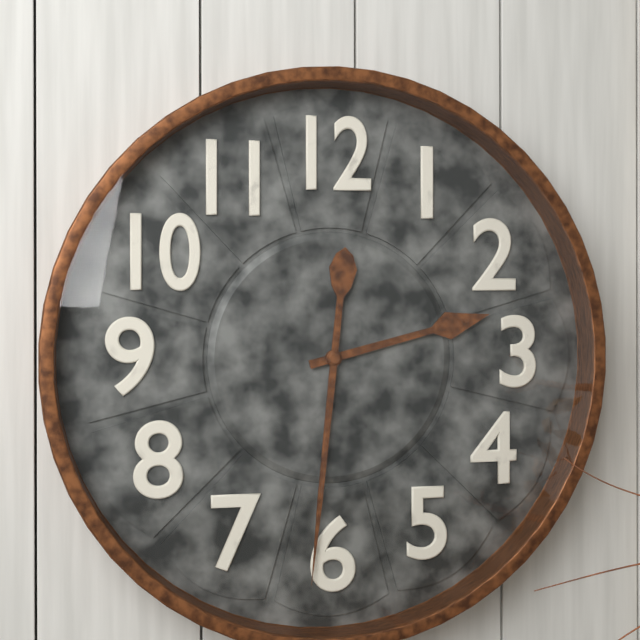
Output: 2h31
